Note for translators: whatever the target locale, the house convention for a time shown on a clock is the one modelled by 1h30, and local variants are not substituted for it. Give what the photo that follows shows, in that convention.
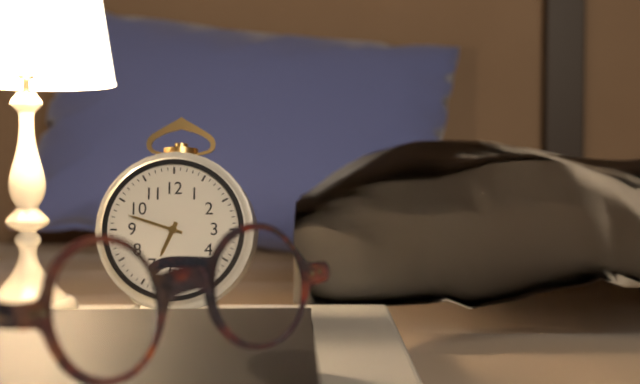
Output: 6h48
